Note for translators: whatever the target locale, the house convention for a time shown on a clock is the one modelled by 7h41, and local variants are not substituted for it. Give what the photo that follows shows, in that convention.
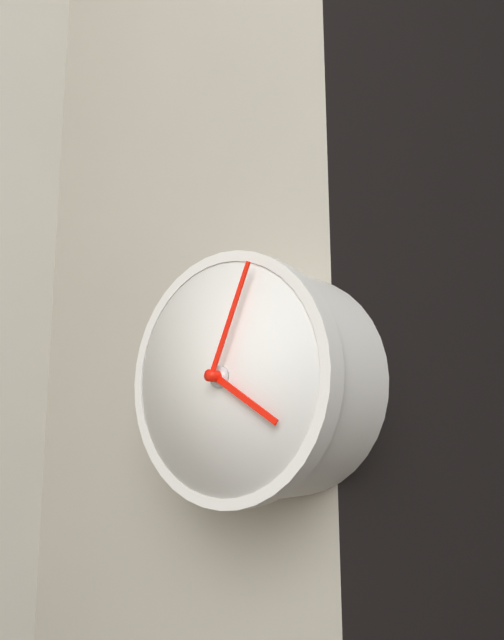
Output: 4h04
